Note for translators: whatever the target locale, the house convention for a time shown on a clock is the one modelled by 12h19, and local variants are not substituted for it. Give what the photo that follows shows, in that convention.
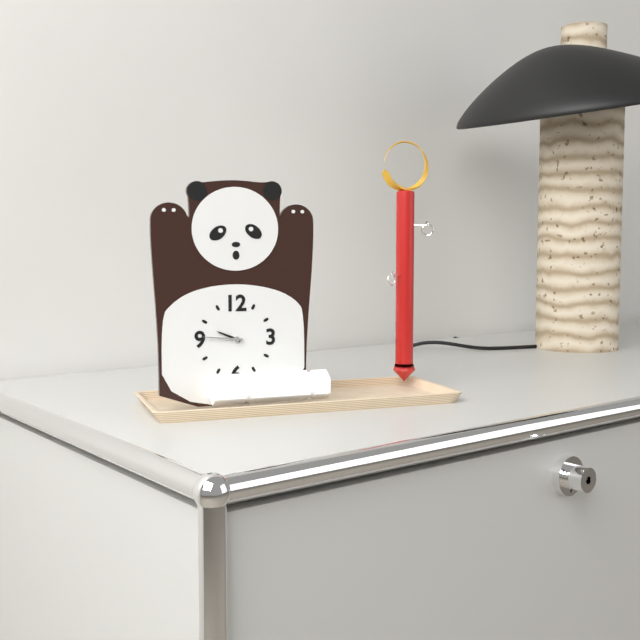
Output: 9h46
